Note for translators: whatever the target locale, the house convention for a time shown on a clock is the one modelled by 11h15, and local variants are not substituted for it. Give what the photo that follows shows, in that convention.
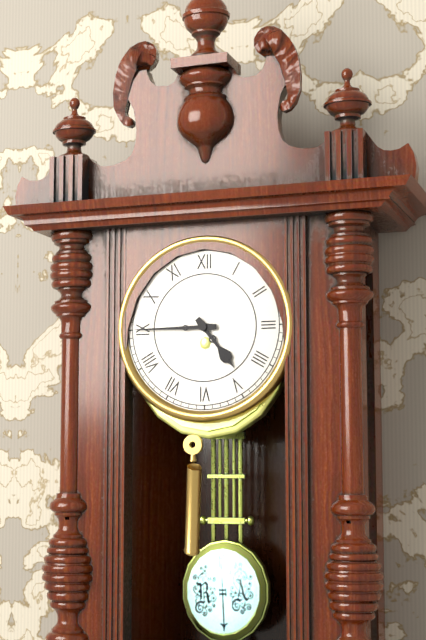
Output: 4h45
